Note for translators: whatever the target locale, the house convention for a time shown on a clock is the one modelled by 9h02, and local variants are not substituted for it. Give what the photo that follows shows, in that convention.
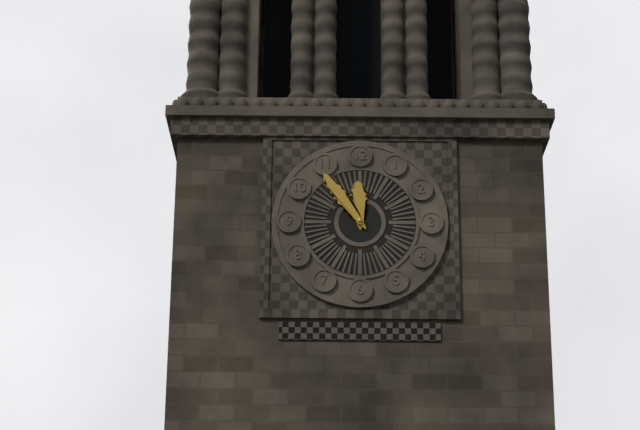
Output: 11h54
